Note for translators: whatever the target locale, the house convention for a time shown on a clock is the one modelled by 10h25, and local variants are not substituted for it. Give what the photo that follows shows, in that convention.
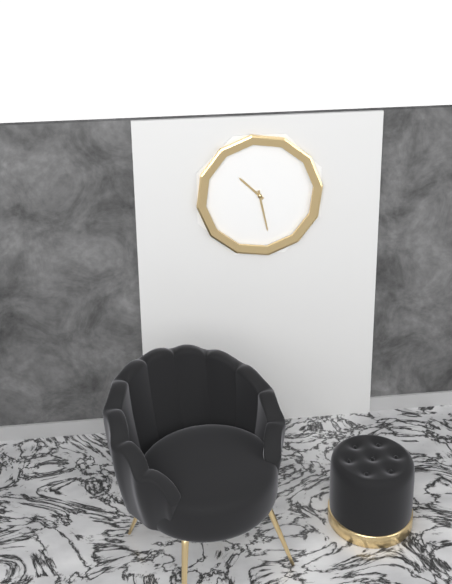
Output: 10h28
